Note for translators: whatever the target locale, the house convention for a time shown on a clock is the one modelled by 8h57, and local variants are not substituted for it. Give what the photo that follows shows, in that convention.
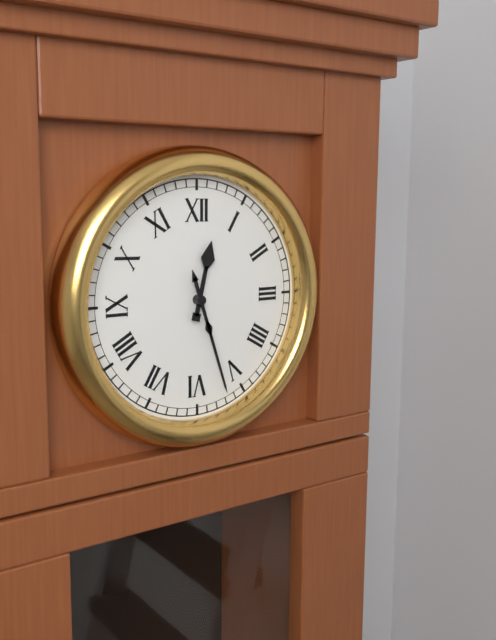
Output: 12h27
